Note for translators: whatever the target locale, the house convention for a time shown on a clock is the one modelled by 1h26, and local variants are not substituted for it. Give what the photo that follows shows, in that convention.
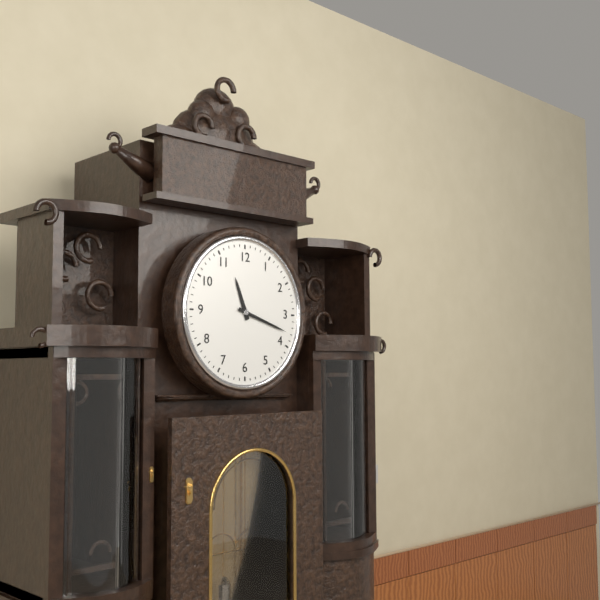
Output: 11h18
